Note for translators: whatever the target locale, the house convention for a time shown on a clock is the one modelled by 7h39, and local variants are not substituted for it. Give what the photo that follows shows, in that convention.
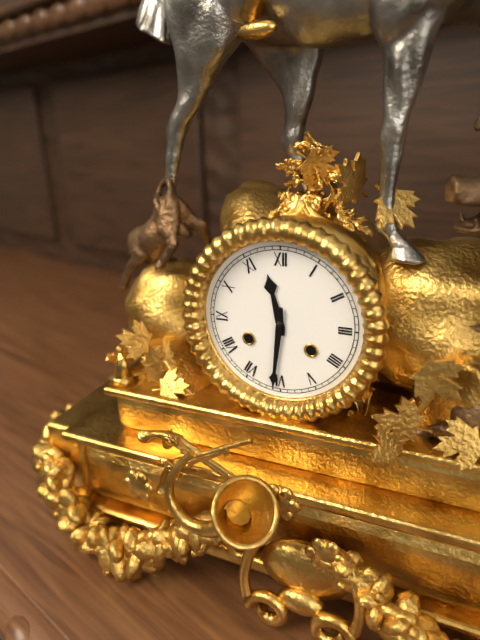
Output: 11h31
